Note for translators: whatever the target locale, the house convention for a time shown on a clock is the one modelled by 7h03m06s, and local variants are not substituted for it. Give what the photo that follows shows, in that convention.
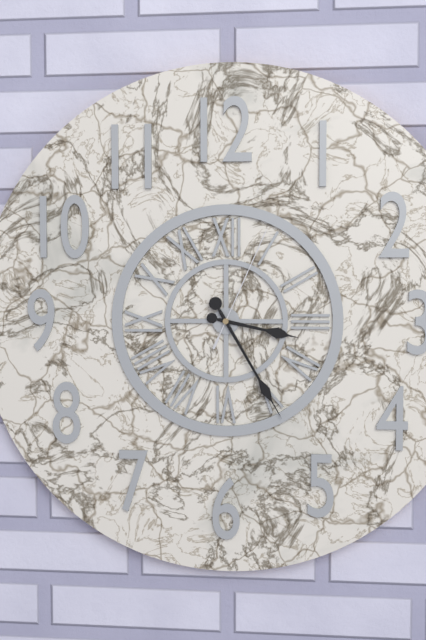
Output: 3h25m04s
